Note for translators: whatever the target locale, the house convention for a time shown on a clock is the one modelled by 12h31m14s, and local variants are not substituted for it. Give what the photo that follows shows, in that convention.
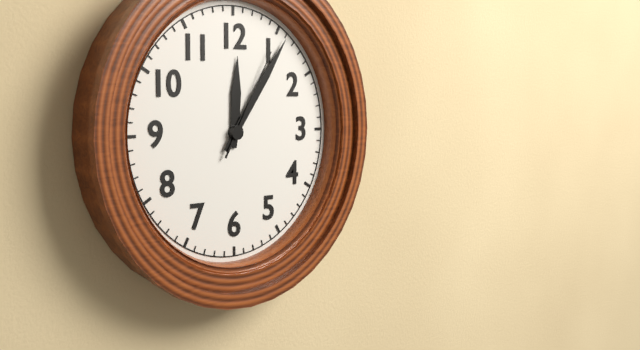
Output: 12h06m05s
